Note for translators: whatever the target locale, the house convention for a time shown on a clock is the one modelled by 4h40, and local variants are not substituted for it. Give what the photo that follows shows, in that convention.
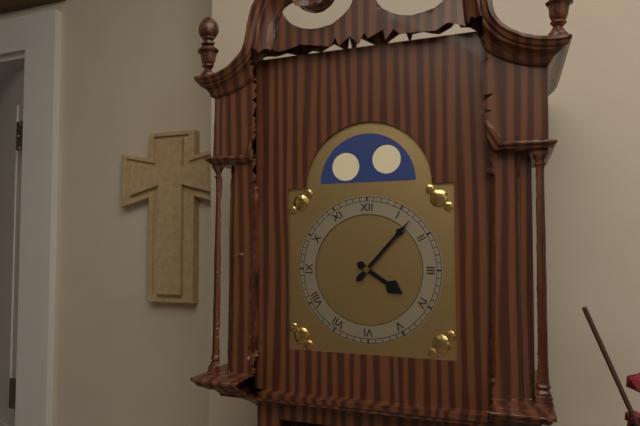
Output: 4h07
